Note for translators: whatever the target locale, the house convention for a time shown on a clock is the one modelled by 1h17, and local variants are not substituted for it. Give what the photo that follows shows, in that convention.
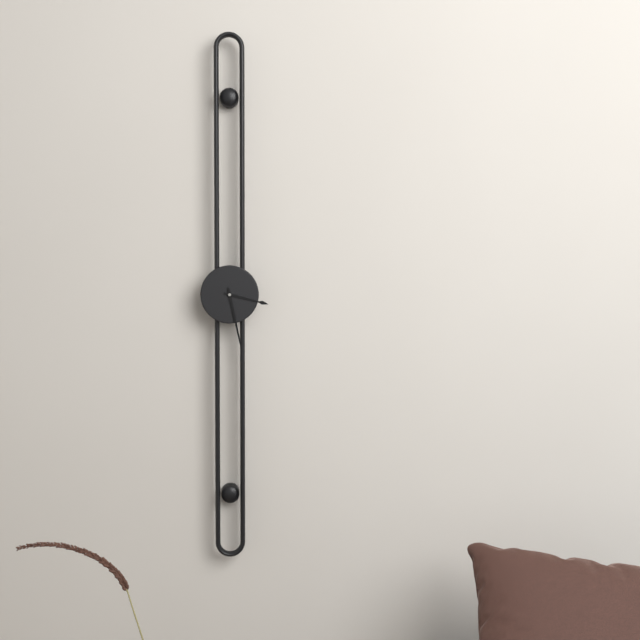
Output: 3h28
